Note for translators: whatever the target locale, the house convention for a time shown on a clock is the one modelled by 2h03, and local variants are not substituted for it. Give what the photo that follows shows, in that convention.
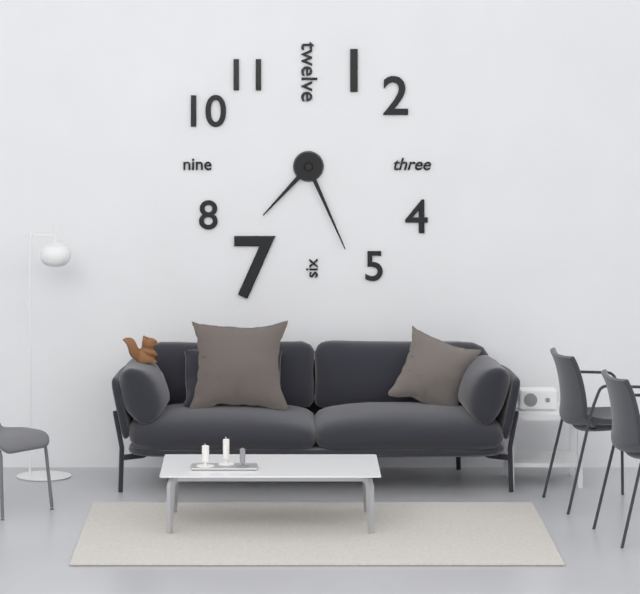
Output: 7h26
